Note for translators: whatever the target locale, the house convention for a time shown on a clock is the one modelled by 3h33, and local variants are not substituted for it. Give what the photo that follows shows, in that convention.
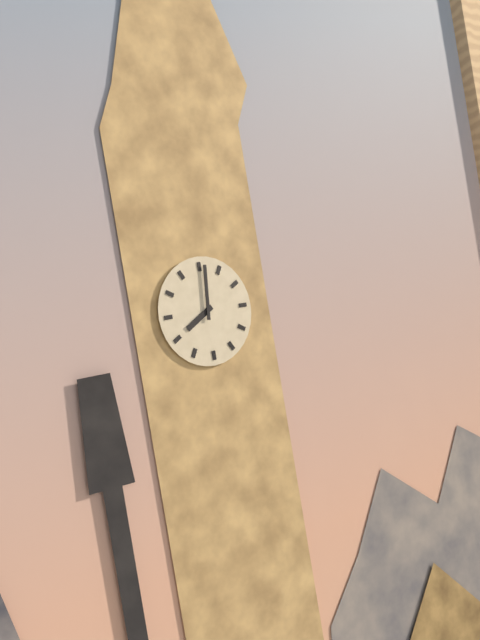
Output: 8h01
